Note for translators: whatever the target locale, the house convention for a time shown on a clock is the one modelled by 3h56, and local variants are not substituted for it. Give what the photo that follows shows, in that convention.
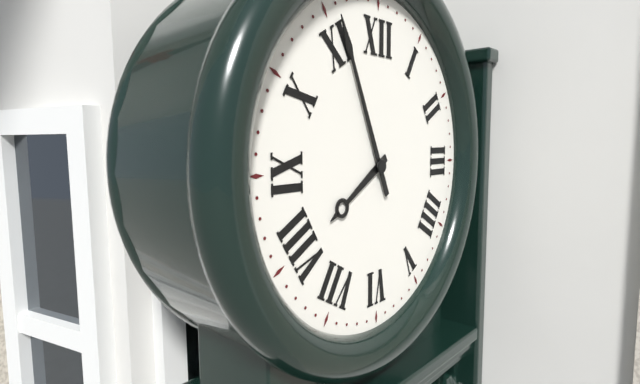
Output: 7h56
